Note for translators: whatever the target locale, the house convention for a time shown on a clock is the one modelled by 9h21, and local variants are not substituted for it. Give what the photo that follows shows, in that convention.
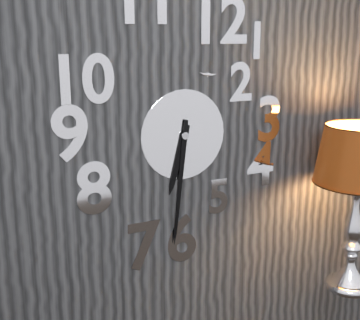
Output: 6h31
